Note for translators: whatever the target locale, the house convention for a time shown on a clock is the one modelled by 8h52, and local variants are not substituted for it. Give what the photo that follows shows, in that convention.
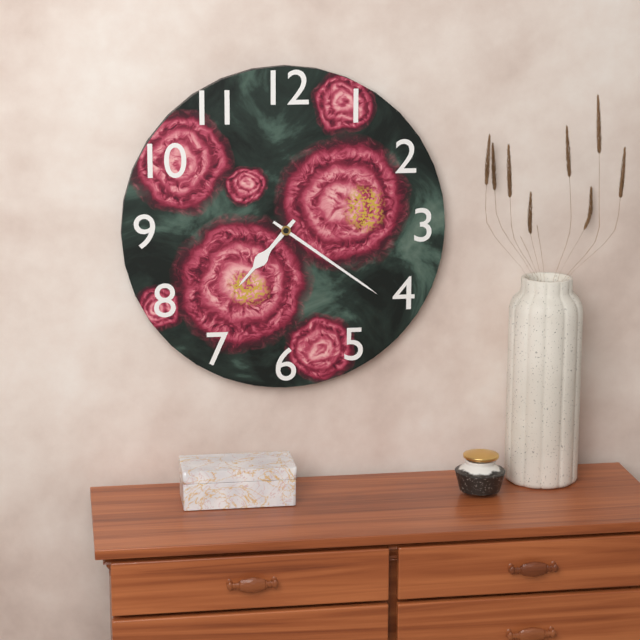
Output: 7h21
